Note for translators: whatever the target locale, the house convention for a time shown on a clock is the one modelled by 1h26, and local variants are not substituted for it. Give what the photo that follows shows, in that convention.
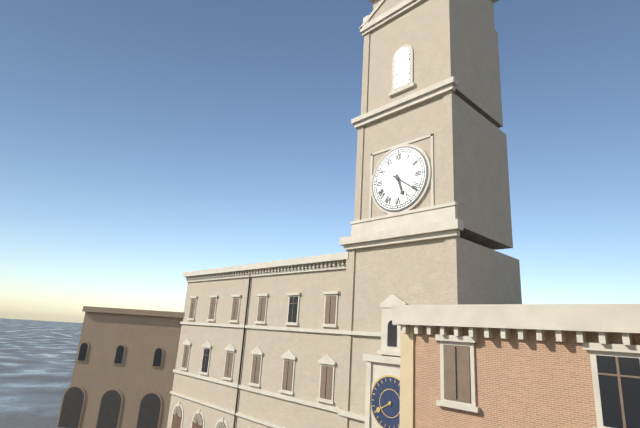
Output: 5h21
